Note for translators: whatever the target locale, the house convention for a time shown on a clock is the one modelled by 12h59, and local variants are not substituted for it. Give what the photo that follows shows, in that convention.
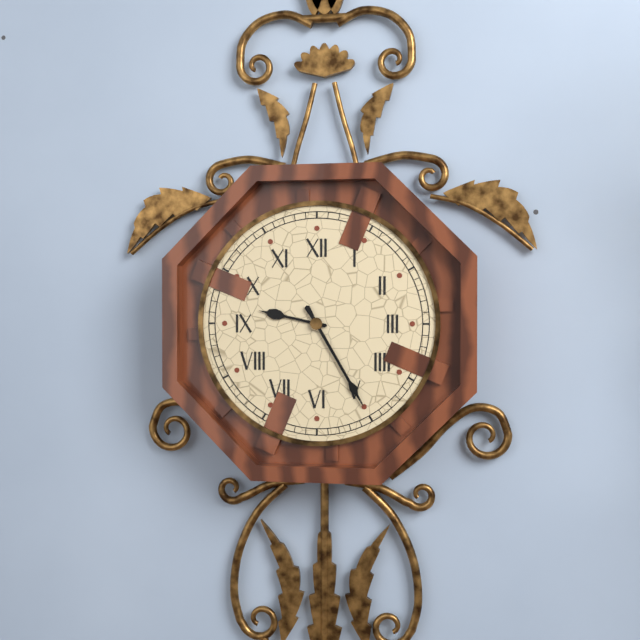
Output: 9h25
